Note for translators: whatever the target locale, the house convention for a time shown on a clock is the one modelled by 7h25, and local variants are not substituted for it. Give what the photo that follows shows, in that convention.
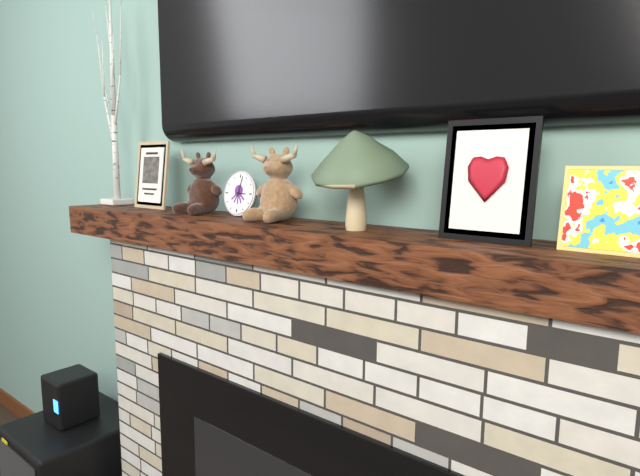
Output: 3h02
